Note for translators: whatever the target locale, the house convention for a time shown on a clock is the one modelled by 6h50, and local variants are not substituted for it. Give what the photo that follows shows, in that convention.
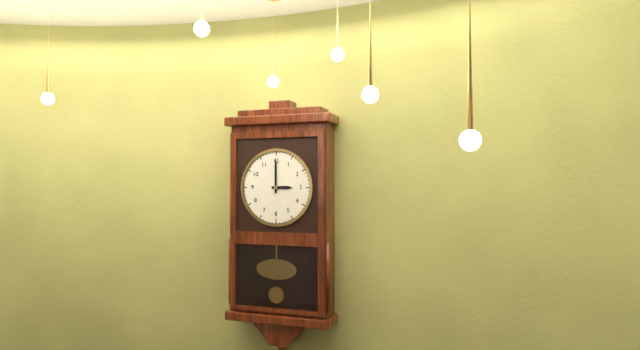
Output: 3h00
